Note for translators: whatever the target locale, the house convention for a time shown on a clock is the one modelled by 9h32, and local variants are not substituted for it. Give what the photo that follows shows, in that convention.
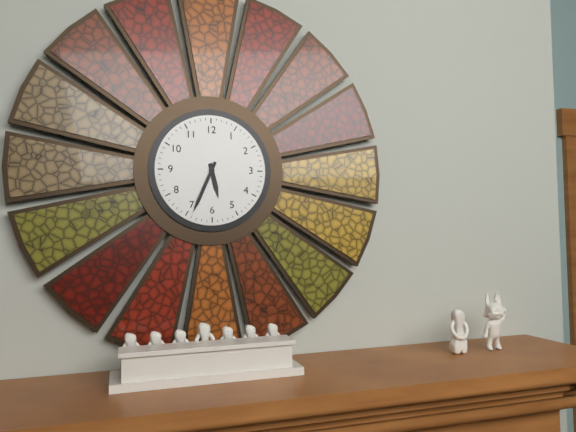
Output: 5h34
